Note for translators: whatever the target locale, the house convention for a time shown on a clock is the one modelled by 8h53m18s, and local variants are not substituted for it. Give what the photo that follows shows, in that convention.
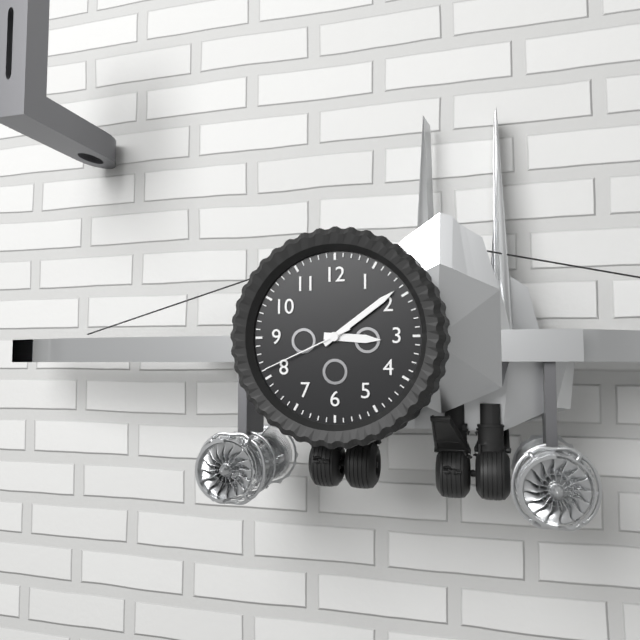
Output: 3h09m41s
